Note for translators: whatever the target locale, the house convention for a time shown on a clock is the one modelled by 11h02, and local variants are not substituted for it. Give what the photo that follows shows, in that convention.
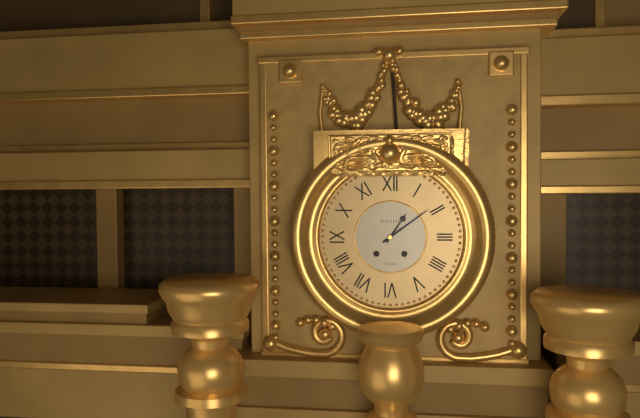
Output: 1h09
